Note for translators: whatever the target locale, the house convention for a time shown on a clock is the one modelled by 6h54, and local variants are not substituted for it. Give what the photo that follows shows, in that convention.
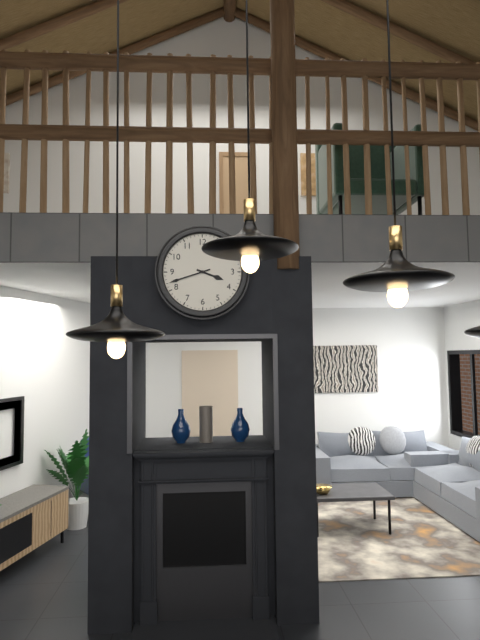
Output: 3h42
